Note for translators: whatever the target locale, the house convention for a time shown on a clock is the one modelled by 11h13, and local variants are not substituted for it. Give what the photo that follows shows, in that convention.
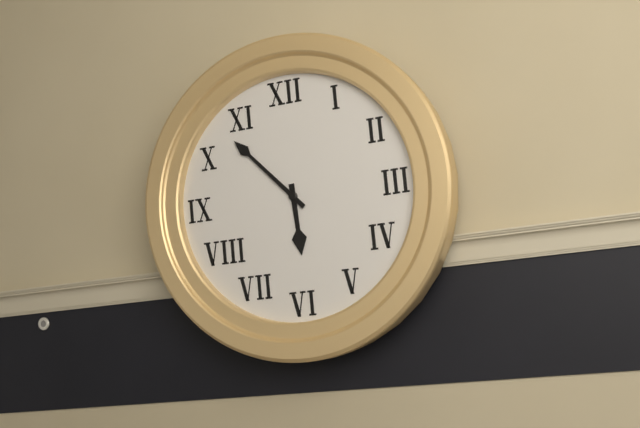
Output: 5h53
